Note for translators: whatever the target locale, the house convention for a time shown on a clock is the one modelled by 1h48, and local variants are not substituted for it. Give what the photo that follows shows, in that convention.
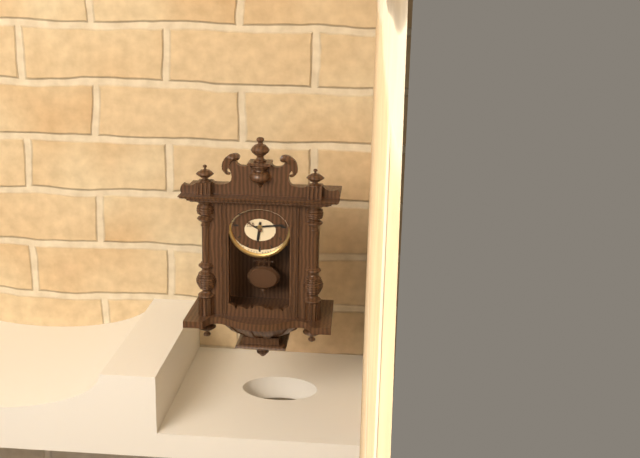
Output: 6h14
